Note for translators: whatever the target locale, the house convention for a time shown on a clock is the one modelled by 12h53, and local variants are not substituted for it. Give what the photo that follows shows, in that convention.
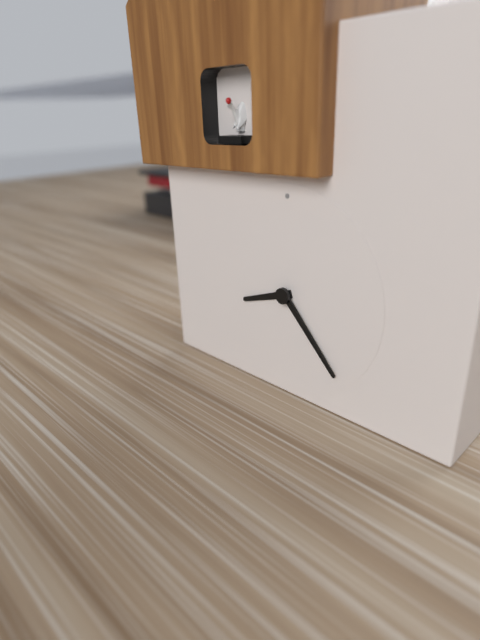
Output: 8h23
